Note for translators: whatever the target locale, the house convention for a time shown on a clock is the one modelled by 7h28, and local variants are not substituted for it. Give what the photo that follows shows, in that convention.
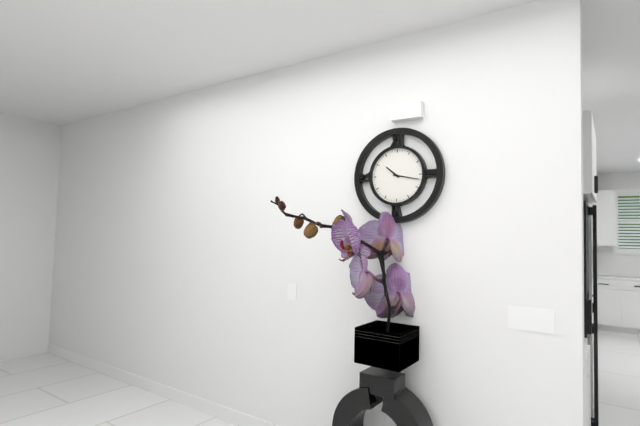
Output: 10h17
